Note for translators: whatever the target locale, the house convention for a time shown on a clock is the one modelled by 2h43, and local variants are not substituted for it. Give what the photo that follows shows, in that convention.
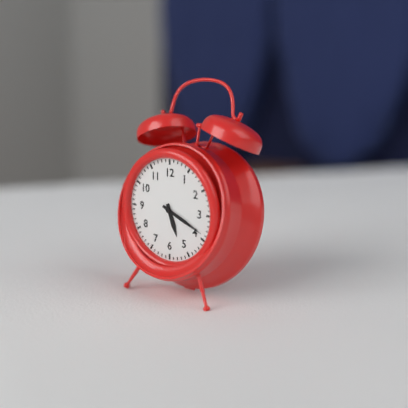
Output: 5h19
